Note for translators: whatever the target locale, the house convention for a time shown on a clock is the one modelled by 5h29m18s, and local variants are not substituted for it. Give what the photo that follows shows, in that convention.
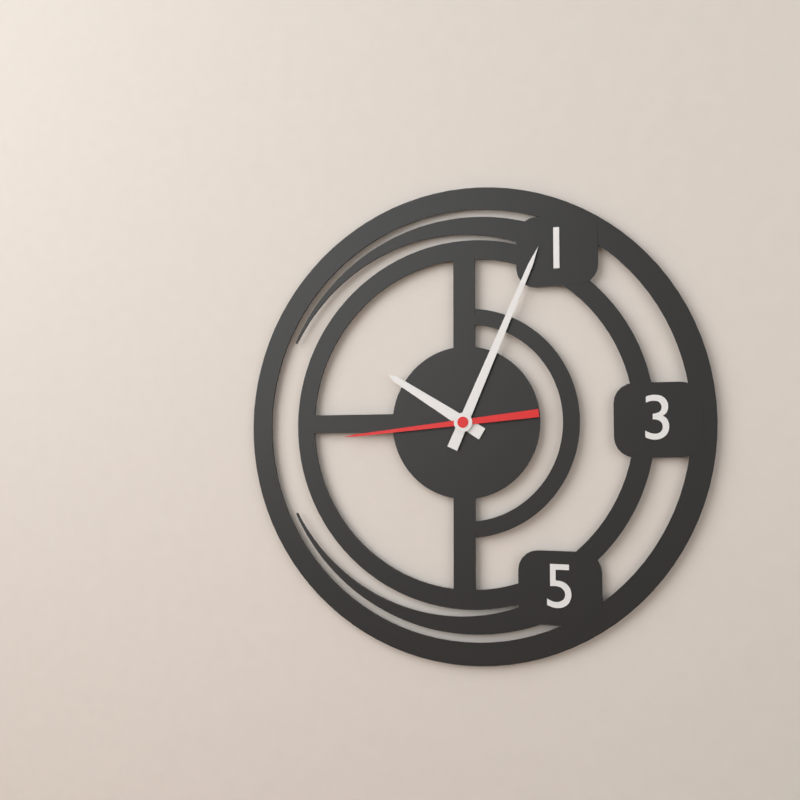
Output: 10h04m44s
